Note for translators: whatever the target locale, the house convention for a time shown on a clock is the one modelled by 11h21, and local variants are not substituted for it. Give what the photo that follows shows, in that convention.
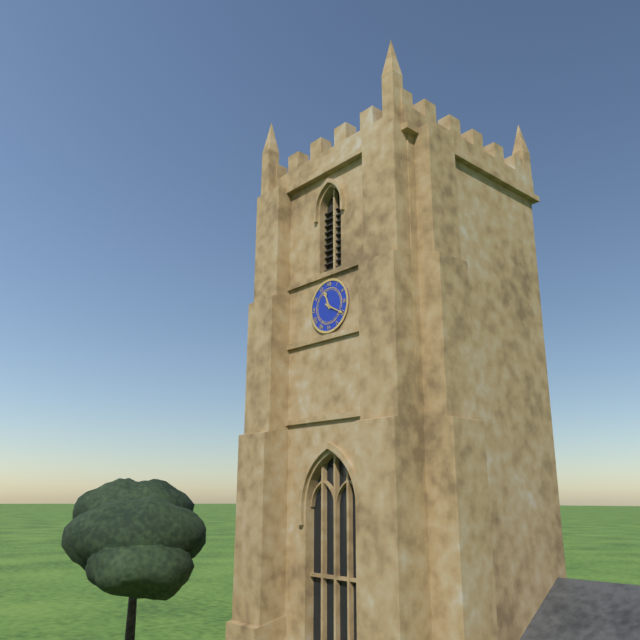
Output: 11h20
